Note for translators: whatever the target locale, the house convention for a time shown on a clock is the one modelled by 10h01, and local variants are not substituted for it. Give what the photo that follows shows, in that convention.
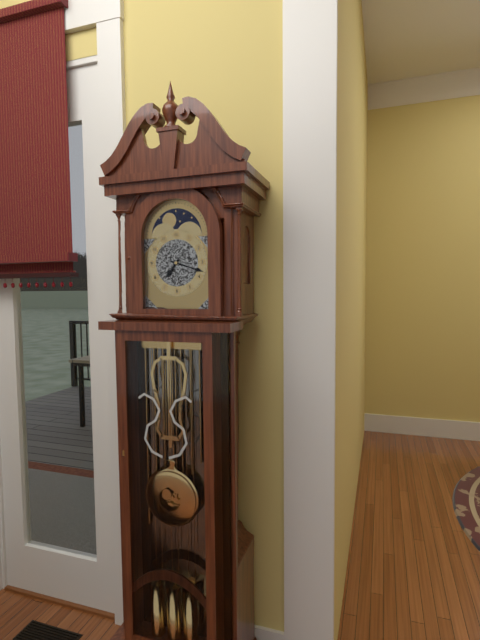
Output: 7h18
